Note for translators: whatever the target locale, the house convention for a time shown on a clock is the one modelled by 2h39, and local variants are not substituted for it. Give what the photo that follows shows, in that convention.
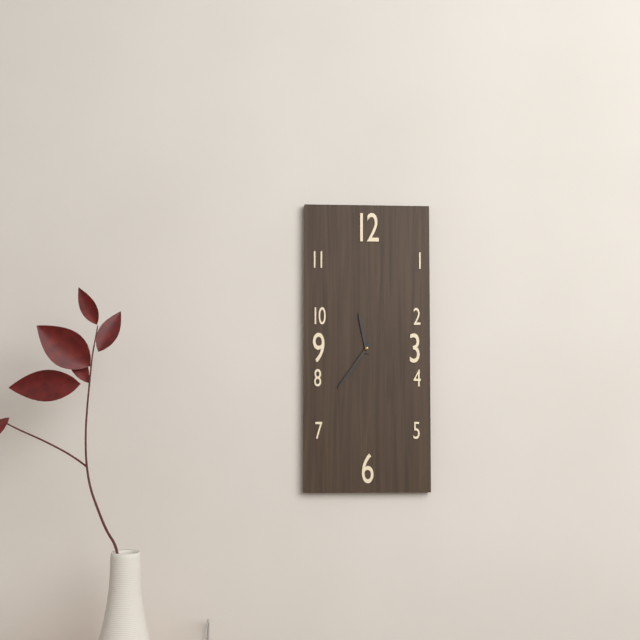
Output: 11h36
